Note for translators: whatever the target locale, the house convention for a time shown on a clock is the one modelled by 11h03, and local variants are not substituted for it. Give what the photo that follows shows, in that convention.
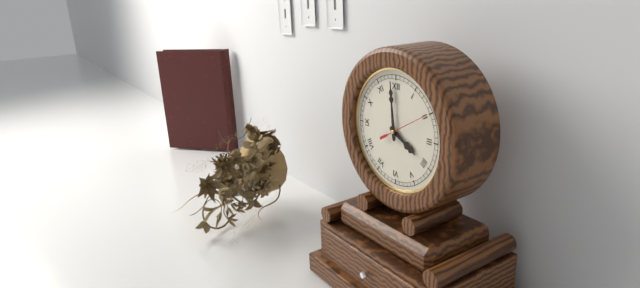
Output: 3h59
